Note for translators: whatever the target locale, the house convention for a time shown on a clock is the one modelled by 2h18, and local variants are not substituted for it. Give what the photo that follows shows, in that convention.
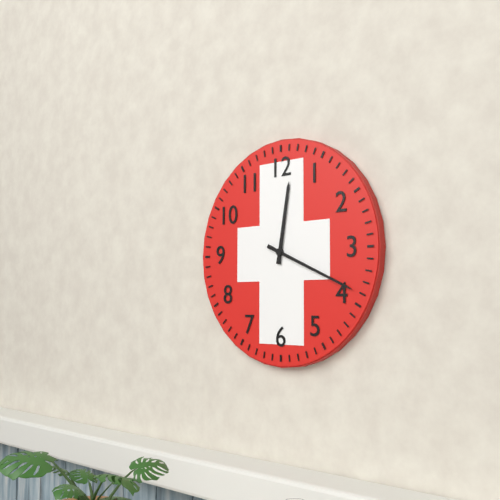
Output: 12h19
